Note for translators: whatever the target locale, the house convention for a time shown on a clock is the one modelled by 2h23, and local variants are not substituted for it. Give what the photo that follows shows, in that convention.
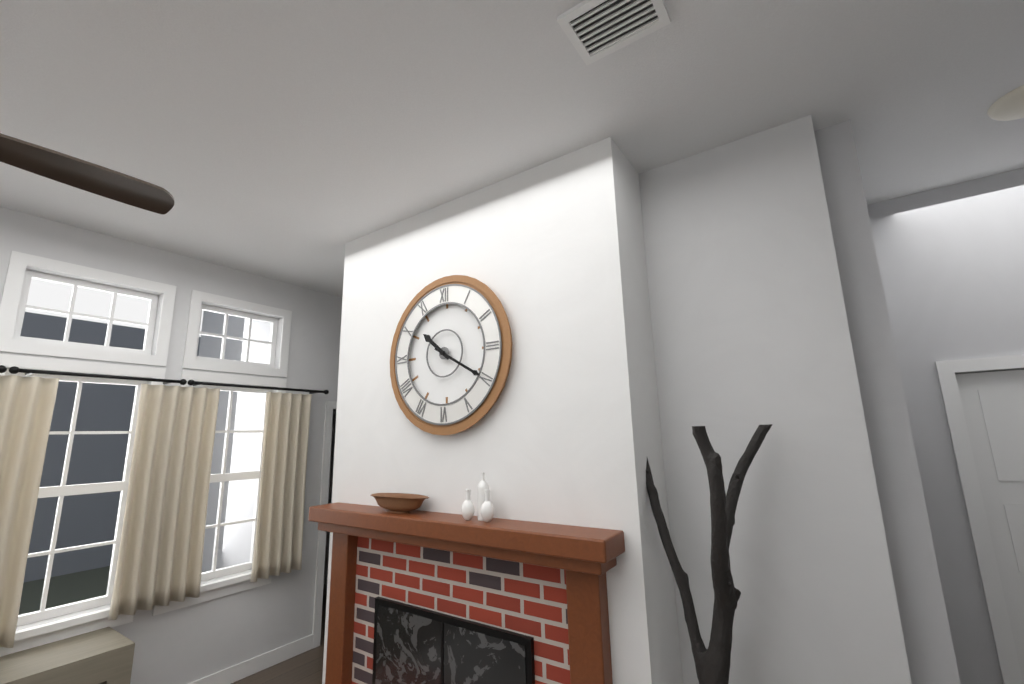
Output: 10h20
